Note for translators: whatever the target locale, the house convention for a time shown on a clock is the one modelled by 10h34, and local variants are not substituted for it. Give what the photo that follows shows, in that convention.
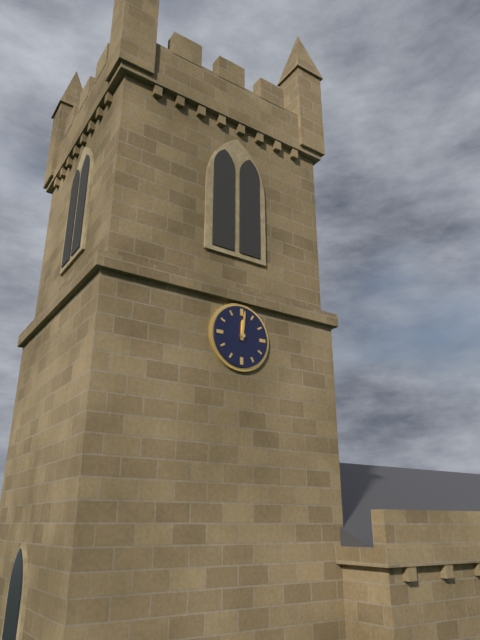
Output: 12h01
